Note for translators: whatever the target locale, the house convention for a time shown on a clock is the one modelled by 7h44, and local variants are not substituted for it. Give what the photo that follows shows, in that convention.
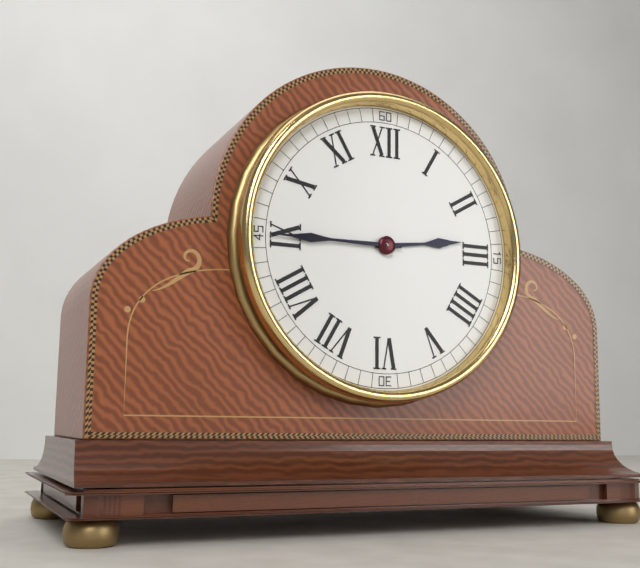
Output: 2h45
